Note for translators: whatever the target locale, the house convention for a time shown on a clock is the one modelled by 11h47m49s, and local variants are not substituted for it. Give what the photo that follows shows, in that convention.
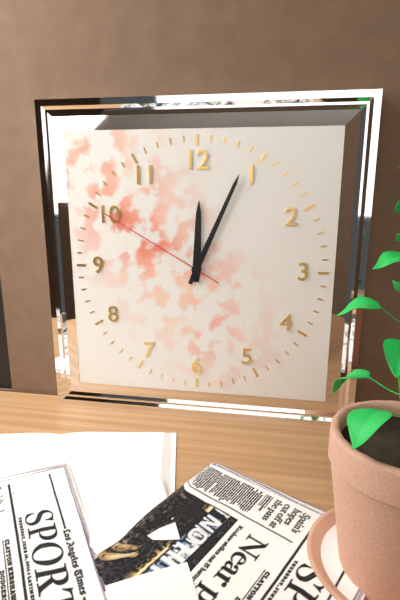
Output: 12h04m50s
